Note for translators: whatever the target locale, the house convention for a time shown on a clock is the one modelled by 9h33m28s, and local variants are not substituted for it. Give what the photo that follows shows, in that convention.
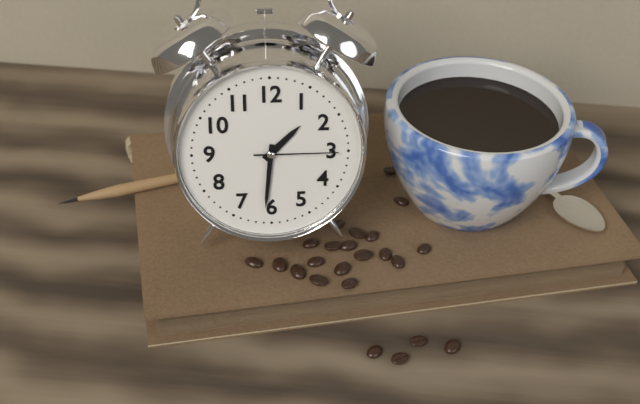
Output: 1h31m15s
